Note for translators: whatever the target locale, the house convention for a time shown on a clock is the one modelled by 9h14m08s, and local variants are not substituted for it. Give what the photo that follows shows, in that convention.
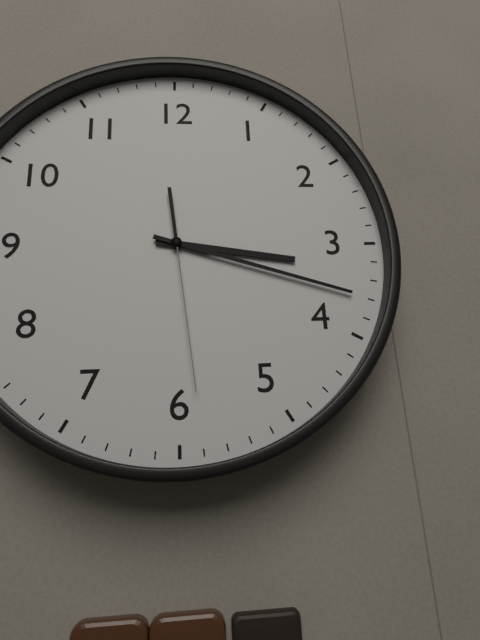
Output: 3h18m29s
